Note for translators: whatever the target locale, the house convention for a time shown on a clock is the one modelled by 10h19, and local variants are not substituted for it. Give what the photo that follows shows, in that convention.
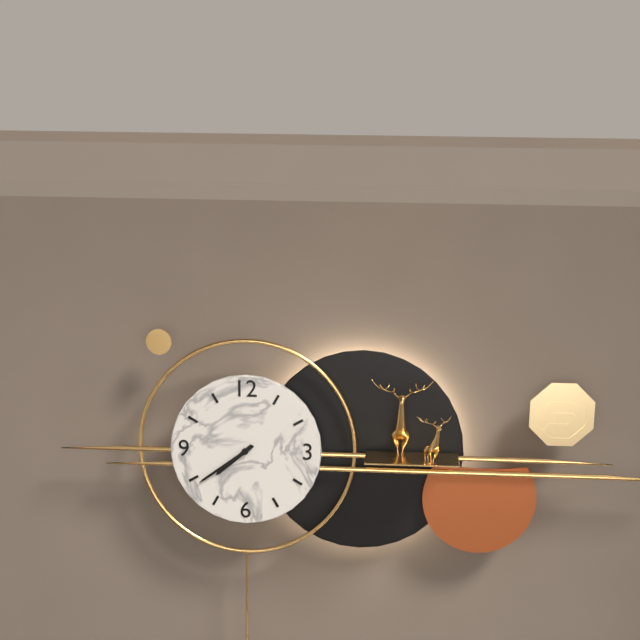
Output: 7h39
